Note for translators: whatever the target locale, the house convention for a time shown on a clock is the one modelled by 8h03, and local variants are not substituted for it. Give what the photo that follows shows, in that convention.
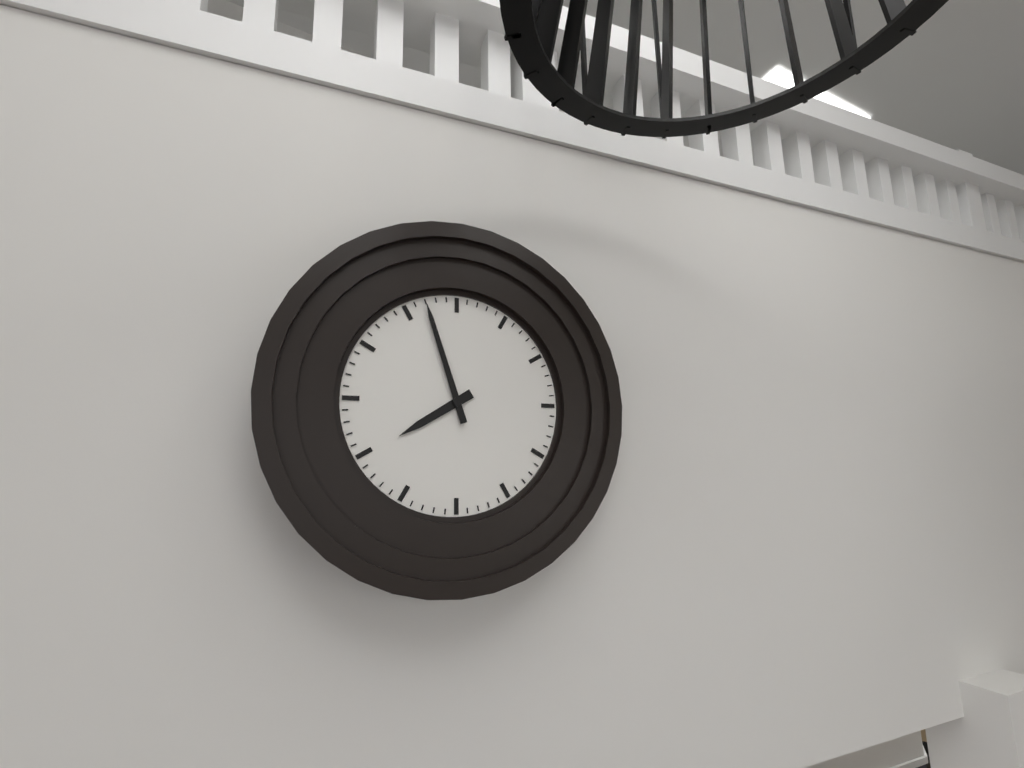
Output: 7h57
